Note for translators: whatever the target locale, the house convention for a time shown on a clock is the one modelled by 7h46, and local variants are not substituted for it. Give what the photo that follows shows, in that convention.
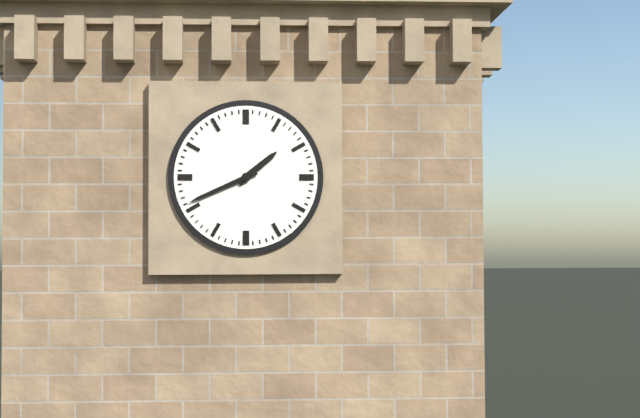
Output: 1h41
